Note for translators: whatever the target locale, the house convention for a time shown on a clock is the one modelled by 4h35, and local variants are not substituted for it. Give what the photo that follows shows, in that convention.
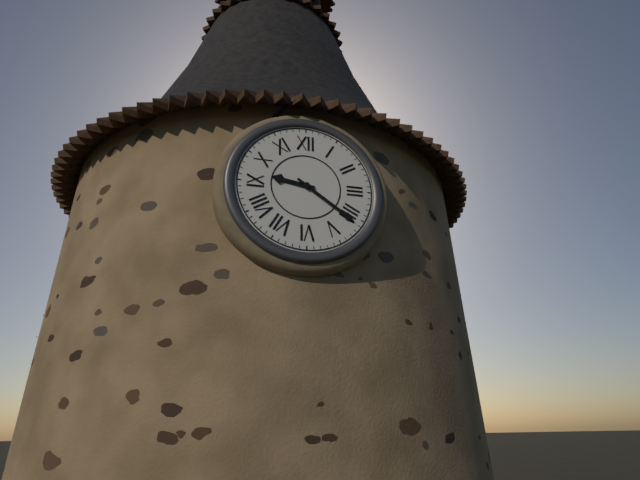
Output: 9h21
